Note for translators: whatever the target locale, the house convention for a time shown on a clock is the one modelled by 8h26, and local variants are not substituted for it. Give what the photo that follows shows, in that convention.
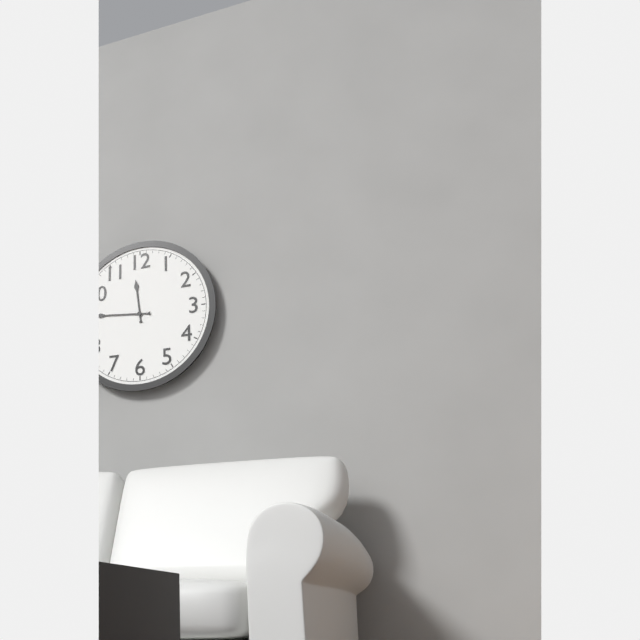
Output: 11h46
